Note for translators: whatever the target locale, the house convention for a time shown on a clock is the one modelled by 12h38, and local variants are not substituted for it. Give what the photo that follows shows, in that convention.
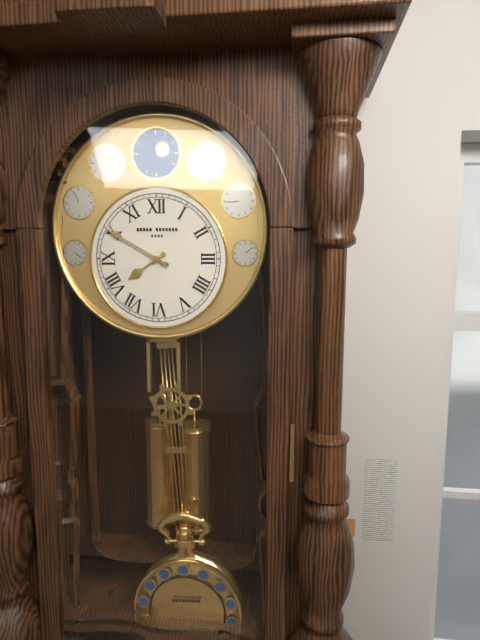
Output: 7h50
